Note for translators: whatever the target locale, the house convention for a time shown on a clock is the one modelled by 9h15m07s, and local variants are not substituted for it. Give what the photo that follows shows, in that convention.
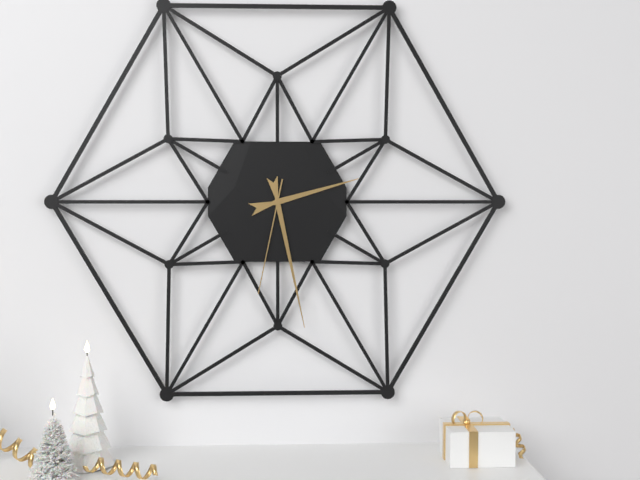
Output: 2h28m32s
